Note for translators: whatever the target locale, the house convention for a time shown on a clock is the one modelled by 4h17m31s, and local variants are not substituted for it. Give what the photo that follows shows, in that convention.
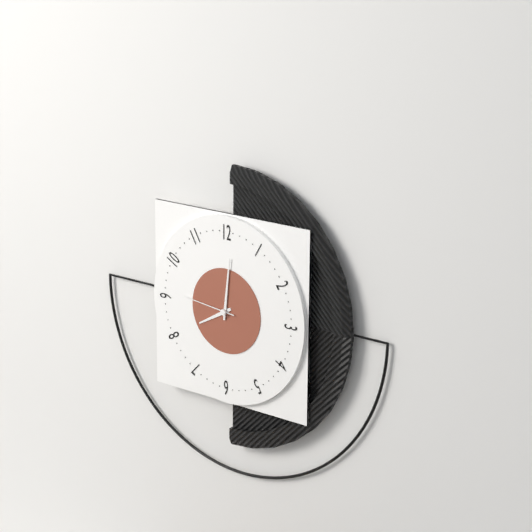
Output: 8h01m46s
